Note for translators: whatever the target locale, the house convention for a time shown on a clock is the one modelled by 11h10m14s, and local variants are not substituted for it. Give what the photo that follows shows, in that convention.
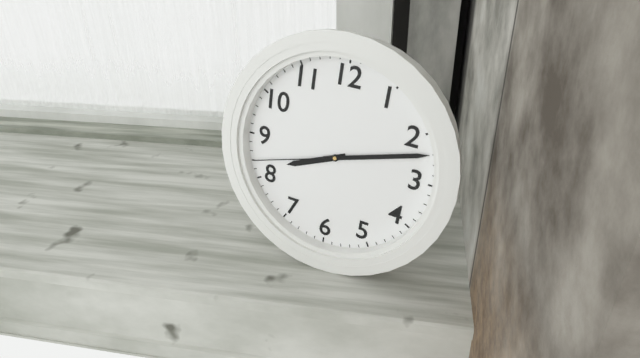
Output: 8h12m42s
